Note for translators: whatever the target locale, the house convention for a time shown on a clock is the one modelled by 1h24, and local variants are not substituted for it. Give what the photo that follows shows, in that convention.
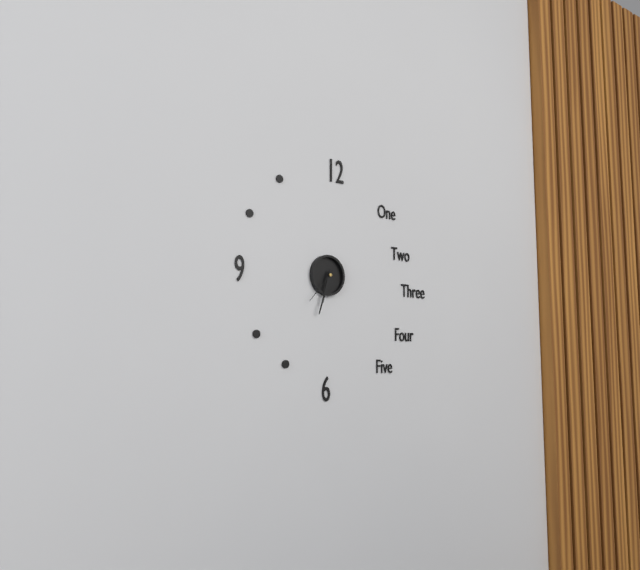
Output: 6h33
